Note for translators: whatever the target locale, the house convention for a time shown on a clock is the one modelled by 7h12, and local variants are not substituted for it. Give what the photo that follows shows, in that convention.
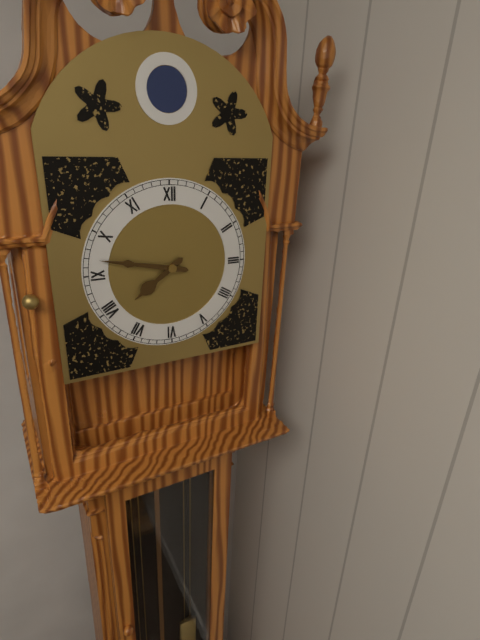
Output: 7h47
